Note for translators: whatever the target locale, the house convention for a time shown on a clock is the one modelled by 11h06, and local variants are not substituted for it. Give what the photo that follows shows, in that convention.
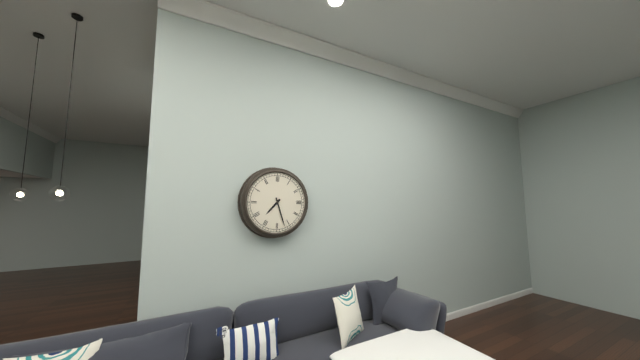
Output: 7h27
